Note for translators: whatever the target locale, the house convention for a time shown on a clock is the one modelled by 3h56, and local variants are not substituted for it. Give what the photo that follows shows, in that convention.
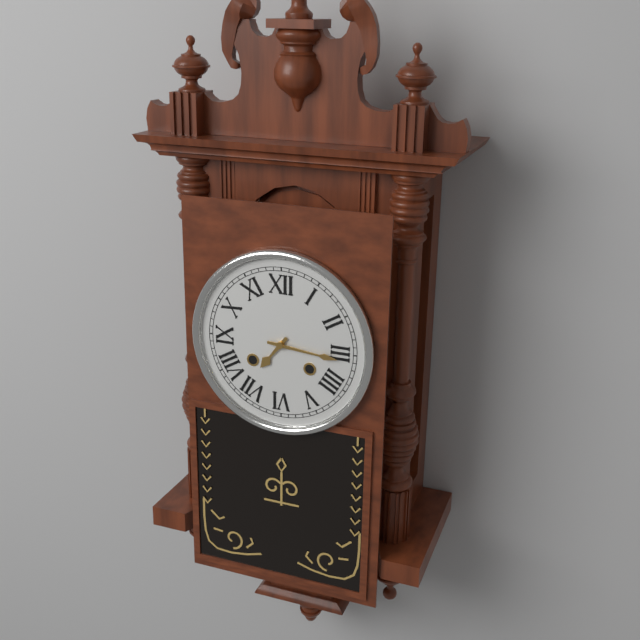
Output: 7h16
